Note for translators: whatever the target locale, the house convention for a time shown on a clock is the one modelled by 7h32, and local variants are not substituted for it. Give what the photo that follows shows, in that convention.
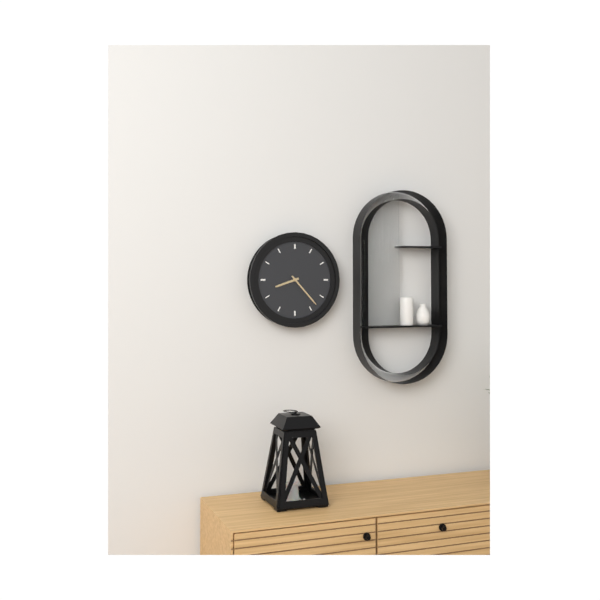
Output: 8h23
